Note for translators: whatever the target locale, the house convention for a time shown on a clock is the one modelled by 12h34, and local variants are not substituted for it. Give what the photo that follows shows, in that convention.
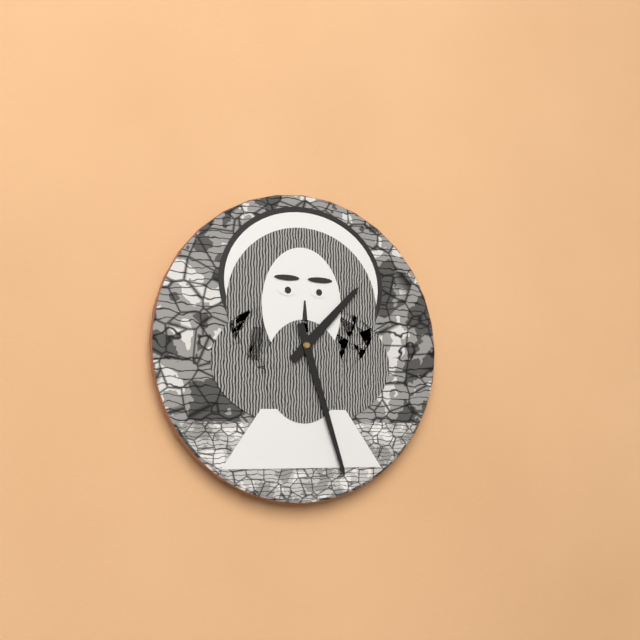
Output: 1h27
